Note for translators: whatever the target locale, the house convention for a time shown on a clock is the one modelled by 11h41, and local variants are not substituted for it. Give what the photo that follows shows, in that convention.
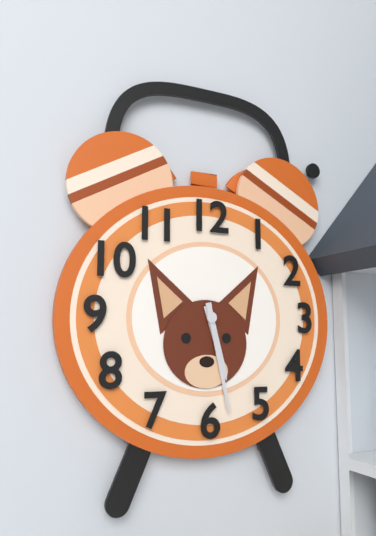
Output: 5h28
